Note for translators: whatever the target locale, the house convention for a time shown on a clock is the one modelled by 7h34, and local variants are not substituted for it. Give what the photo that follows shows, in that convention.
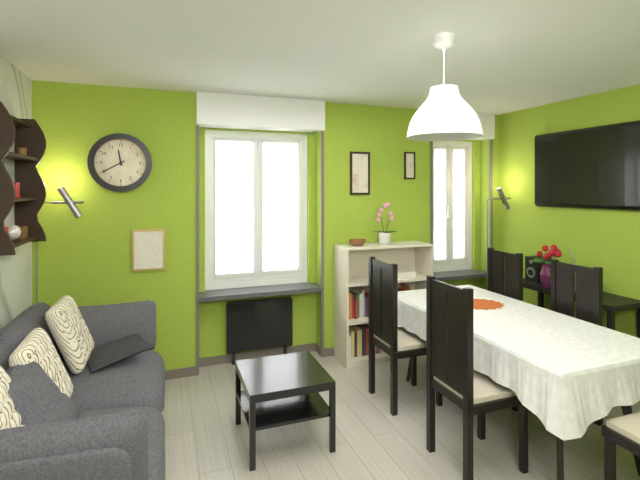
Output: 11h40
